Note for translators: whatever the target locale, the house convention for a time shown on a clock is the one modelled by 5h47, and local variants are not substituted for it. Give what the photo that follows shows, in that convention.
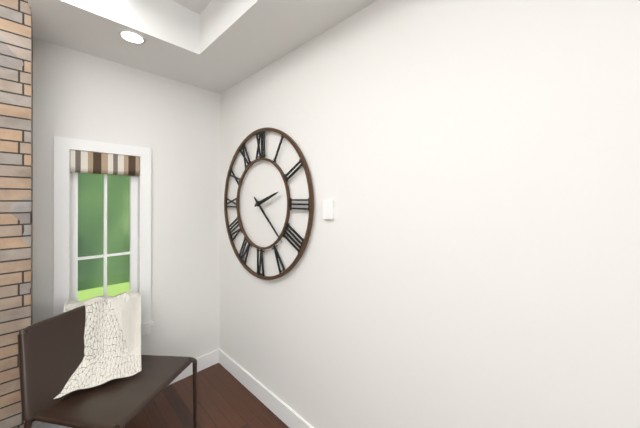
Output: 2h22
